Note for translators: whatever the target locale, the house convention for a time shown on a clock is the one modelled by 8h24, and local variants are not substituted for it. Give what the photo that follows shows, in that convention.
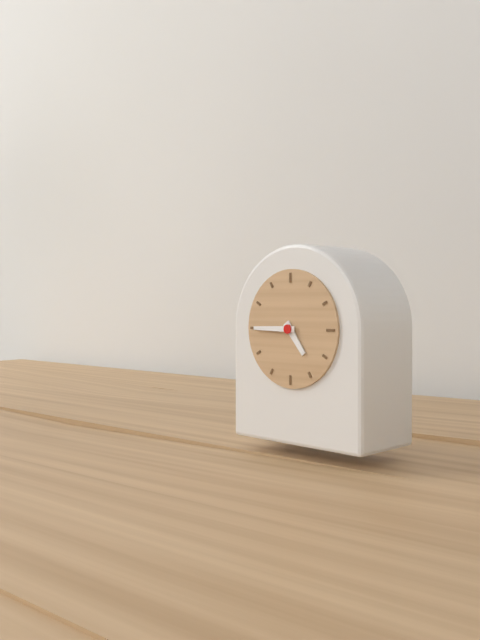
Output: 4h45
